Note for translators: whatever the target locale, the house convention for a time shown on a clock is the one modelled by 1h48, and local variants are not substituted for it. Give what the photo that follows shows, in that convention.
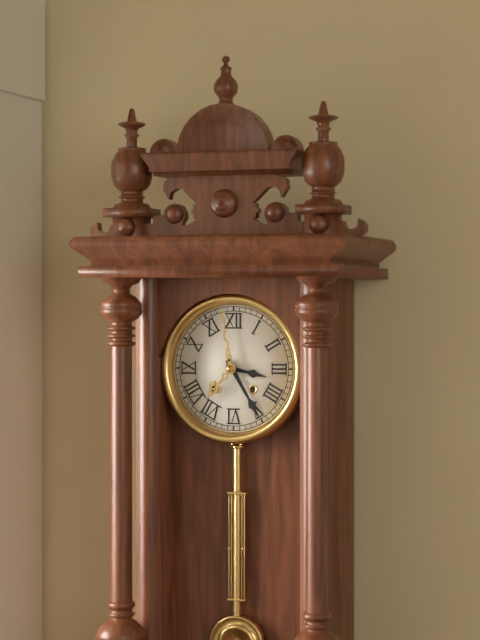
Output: 3h25
